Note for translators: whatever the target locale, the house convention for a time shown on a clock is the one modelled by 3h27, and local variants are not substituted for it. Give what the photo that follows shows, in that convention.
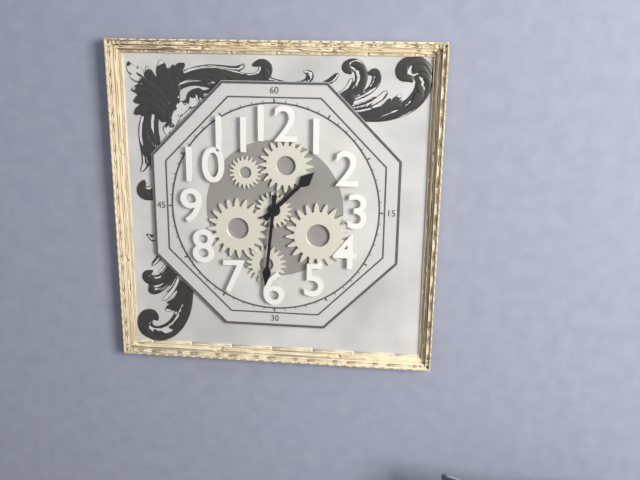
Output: 1h31
